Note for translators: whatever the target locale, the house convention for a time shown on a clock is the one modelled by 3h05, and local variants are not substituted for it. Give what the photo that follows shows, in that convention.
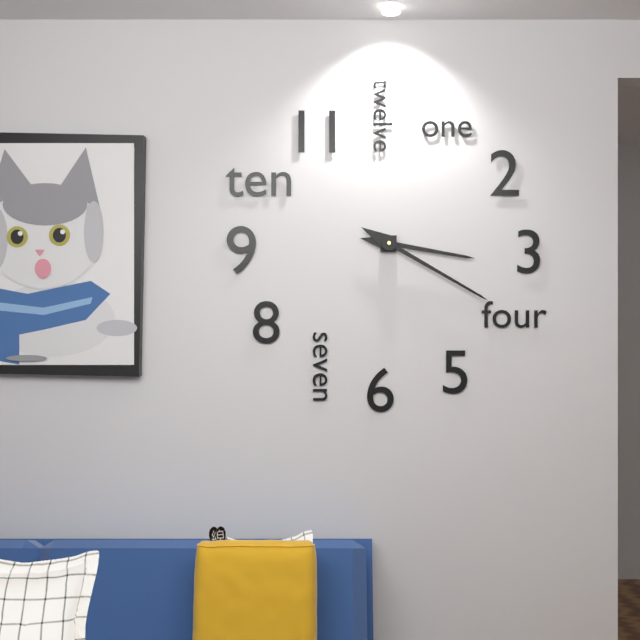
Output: 3h20
